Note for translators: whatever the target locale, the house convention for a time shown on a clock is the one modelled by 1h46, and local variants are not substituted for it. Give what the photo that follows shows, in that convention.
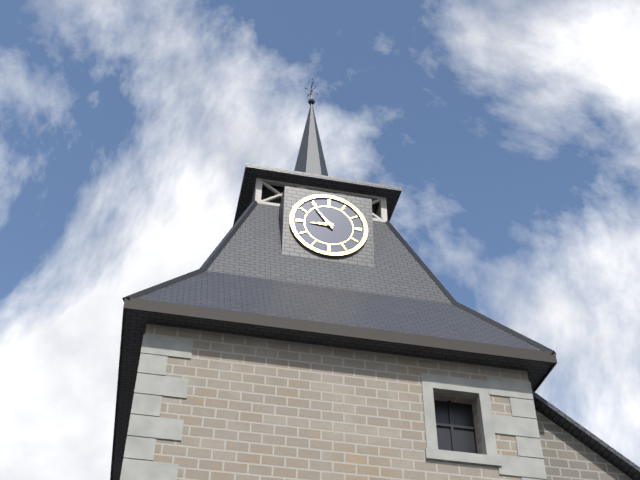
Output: 8h54
